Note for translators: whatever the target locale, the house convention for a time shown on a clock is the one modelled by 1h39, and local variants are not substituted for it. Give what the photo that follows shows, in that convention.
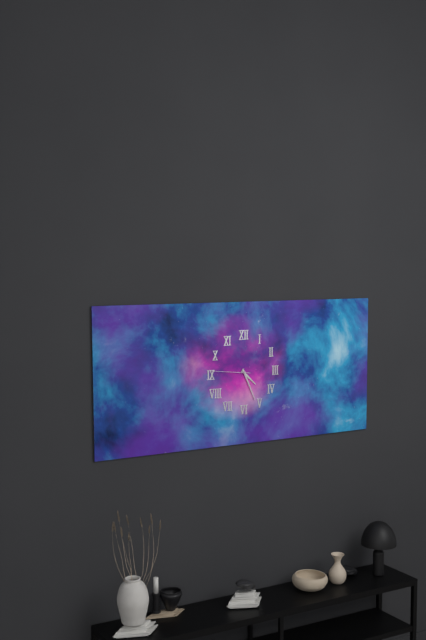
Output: 4h26
